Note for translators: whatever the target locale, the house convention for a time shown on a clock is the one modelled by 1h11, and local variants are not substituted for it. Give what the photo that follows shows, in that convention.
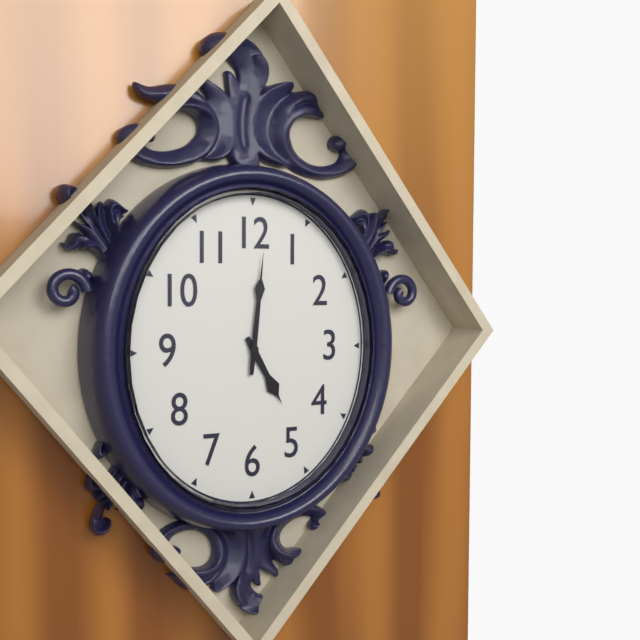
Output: 5h01
